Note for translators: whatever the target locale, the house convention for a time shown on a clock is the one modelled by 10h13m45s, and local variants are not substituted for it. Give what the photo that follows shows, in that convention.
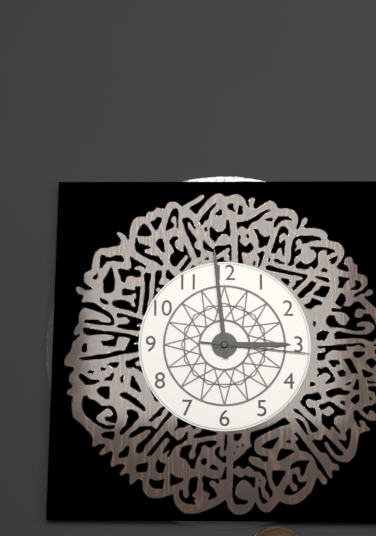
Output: 2h59m16s
